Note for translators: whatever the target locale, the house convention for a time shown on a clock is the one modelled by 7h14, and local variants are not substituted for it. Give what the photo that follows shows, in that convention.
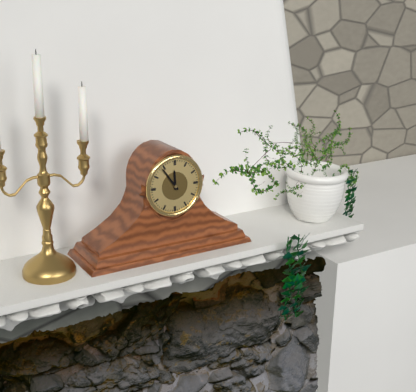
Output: 11h54
